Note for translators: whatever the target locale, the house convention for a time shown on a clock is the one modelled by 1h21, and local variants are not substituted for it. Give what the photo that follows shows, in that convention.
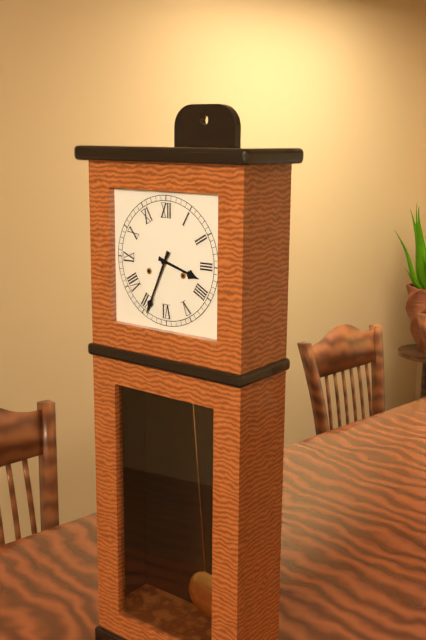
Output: 3h34
